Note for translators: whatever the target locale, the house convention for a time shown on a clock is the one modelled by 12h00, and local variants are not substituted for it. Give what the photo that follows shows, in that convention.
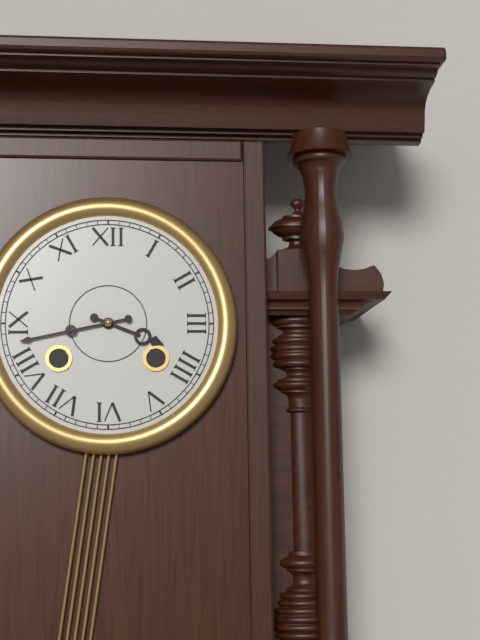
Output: 3h43
